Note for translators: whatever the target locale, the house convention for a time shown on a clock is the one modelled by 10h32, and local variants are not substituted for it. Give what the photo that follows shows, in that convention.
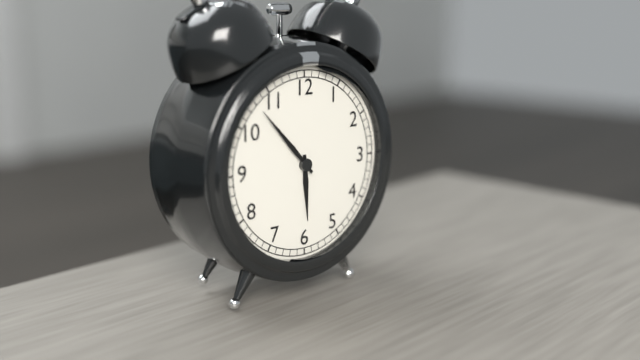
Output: 5h53
